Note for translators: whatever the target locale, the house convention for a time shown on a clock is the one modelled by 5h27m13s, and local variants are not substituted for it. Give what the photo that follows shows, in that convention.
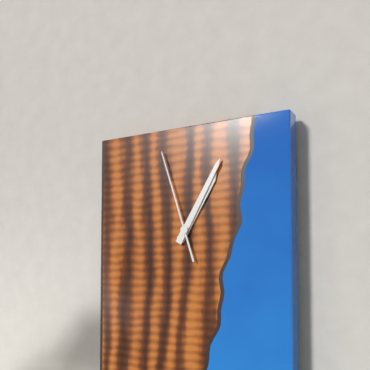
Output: 1h05m57s
